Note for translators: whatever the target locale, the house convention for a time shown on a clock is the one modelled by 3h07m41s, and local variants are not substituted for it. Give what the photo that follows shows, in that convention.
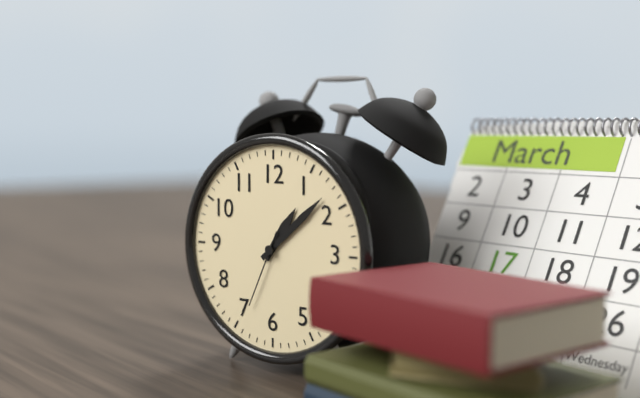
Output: 1h08m34s
